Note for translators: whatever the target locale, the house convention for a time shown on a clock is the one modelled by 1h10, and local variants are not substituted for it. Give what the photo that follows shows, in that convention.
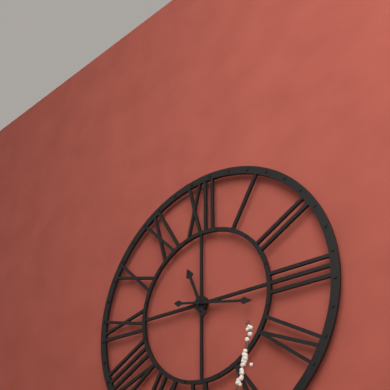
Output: 11h17
